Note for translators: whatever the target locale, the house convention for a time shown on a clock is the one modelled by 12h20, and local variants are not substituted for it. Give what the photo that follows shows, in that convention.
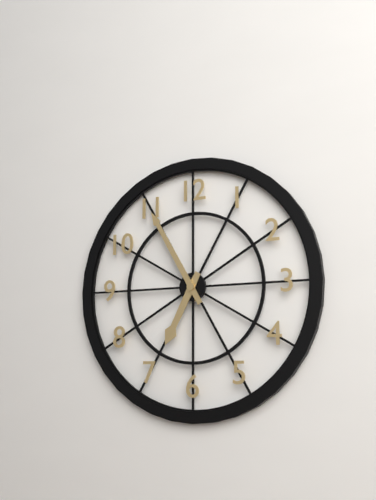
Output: 6h55
